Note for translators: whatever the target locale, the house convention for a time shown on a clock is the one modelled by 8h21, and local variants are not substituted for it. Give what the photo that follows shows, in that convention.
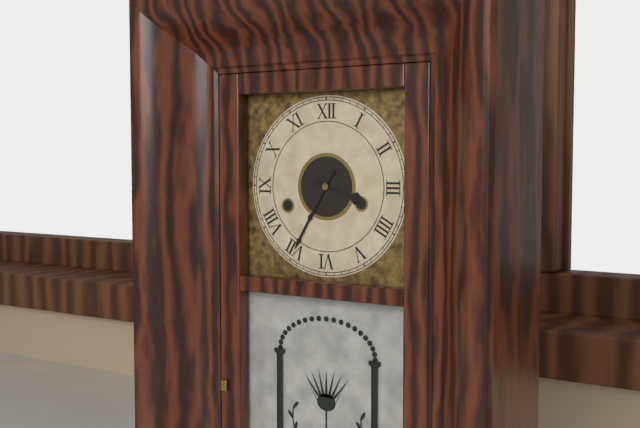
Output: 3h35
